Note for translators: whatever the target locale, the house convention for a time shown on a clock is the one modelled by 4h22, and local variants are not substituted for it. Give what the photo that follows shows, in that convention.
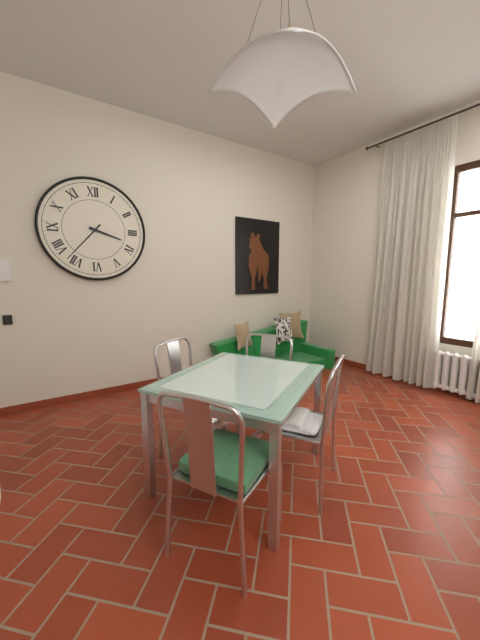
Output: 3h37
